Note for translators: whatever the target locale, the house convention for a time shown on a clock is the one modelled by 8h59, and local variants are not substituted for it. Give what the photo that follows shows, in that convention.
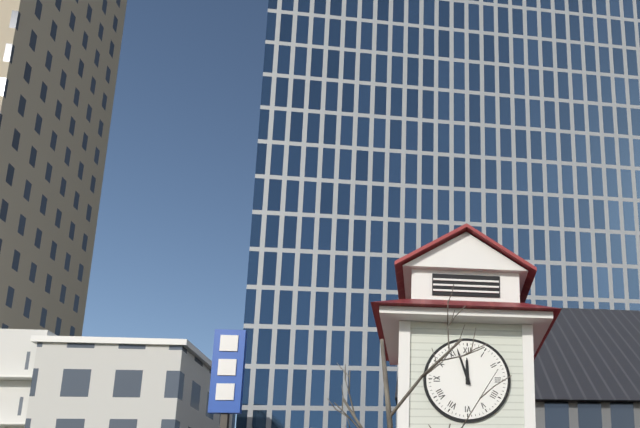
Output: 11h57
